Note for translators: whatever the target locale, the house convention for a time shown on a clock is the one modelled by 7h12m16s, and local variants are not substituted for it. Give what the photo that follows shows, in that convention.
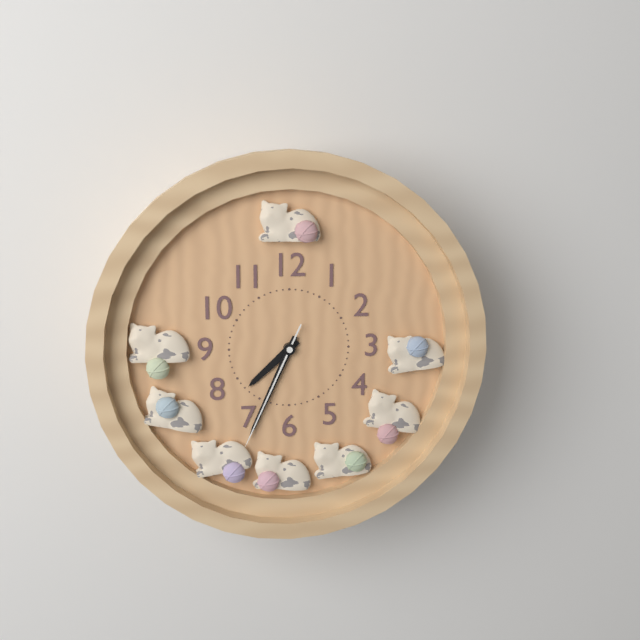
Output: 7h34m34s
